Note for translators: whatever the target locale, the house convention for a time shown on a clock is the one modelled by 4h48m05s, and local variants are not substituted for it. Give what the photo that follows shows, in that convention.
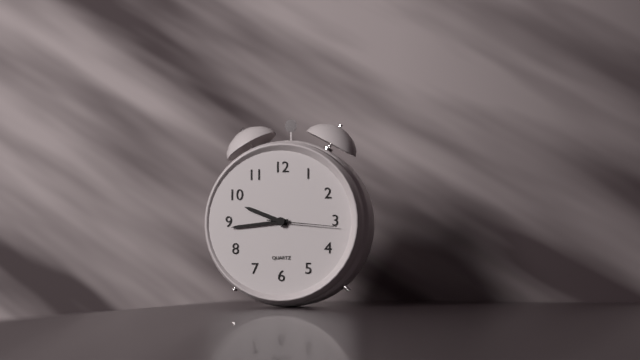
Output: 9h44m16s
